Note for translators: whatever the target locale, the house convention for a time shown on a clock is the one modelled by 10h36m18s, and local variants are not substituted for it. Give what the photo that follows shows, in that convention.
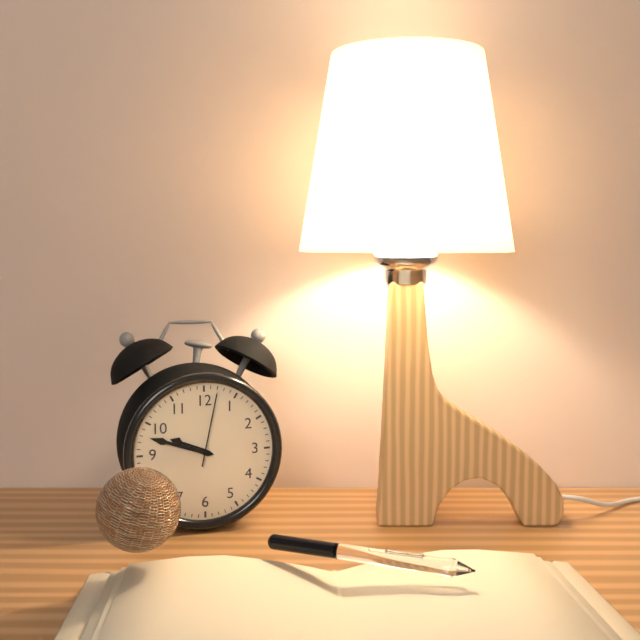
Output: 9h48m02s
